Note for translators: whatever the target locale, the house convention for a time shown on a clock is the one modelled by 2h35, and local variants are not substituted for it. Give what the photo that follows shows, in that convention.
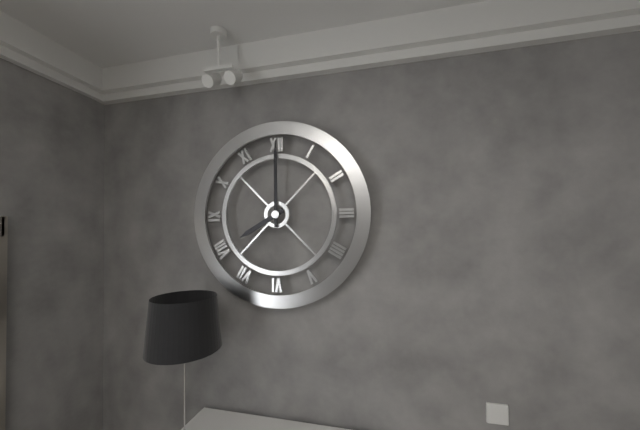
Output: 8h00
